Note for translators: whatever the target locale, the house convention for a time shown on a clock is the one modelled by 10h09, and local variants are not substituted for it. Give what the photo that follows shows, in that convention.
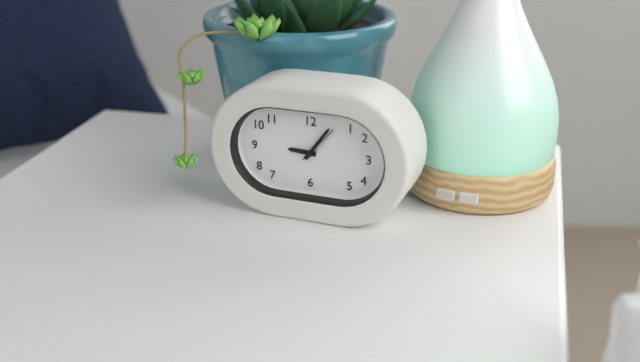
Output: 9h06
